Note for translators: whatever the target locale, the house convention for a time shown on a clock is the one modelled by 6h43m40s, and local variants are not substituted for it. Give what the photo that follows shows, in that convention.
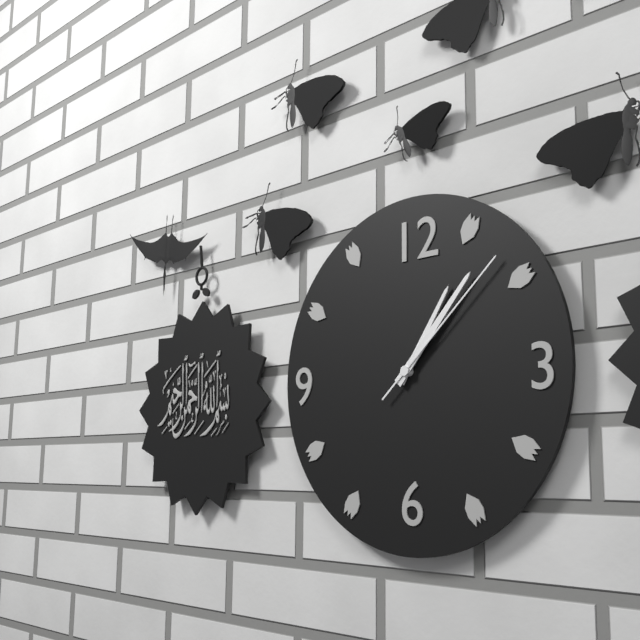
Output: 1h07m08s
